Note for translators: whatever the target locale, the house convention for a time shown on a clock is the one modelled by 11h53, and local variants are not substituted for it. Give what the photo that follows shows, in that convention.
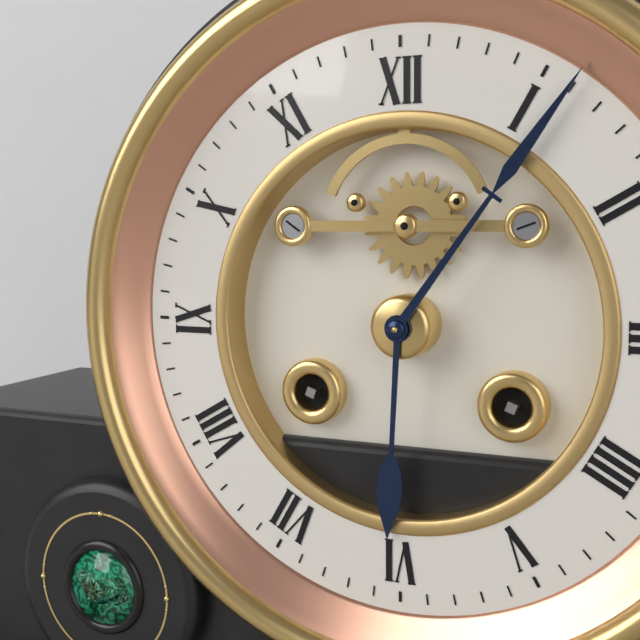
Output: 6h06
